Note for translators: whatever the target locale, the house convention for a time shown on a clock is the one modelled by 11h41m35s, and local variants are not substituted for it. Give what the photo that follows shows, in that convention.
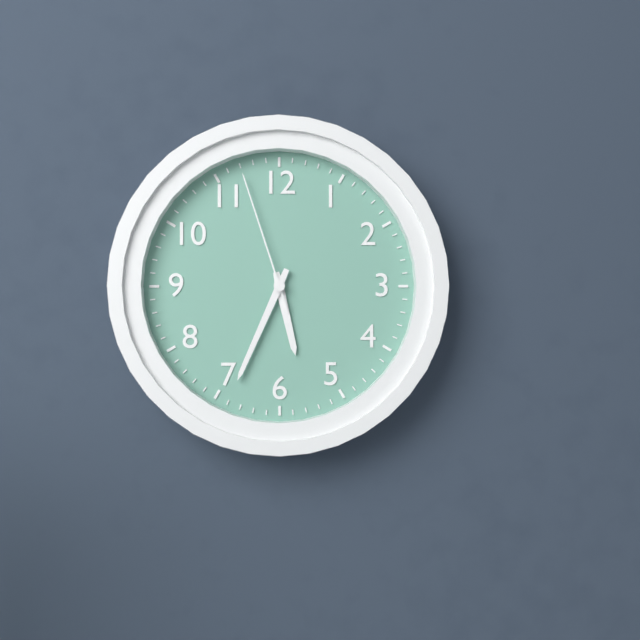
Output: 5h34m57s
